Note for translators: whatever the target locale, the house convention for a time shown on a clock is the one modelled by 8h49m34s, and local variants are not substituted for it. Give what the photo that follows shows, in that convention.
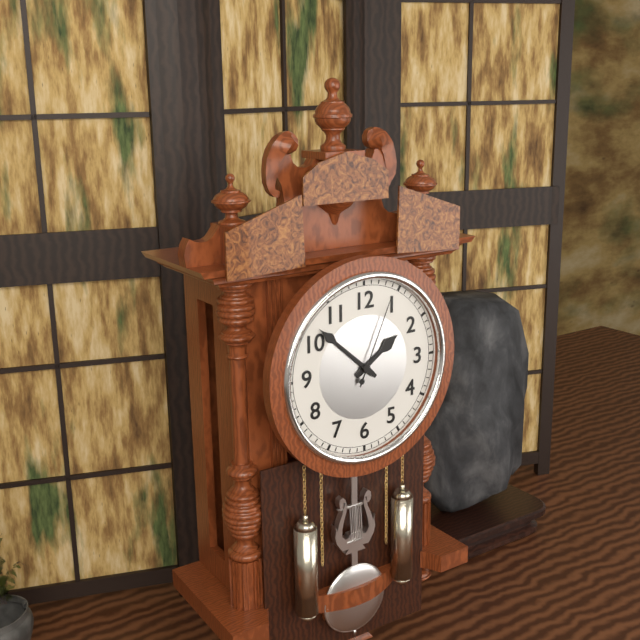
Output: 1h52m04s
